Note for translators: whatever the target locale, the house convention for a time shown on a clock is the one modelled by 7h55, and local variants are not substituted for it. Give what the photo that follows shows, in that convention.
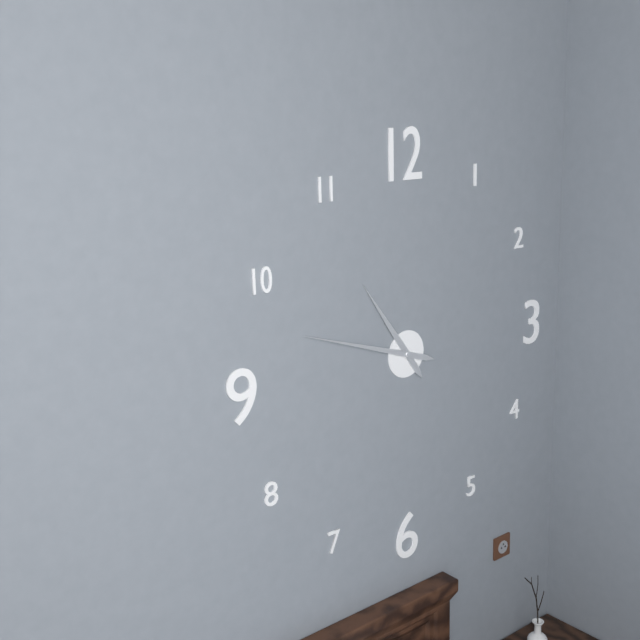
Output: 10h48
